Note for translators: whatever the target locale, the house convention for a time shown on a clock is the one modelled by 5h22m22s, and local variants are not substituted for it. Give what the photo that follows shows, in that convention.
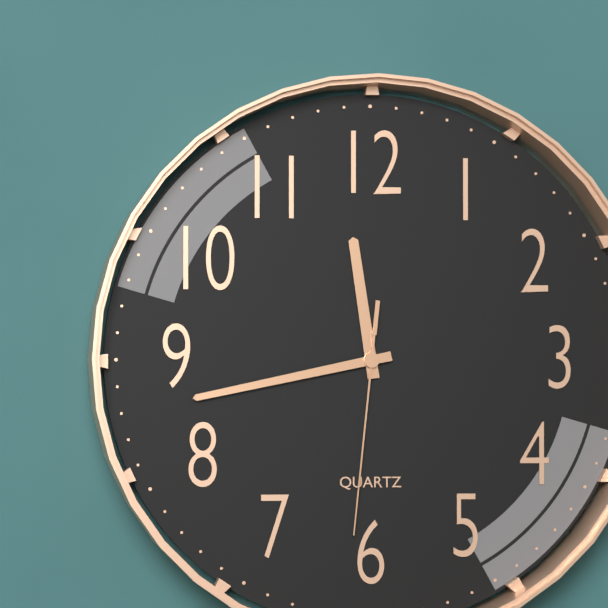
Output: 11h43m31s
